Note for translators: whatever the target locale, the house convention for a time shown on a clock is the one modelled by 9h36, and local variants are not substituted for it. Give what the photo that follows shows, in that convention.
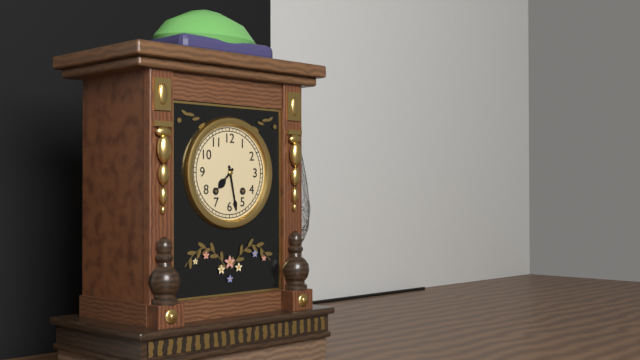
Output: 7h28
